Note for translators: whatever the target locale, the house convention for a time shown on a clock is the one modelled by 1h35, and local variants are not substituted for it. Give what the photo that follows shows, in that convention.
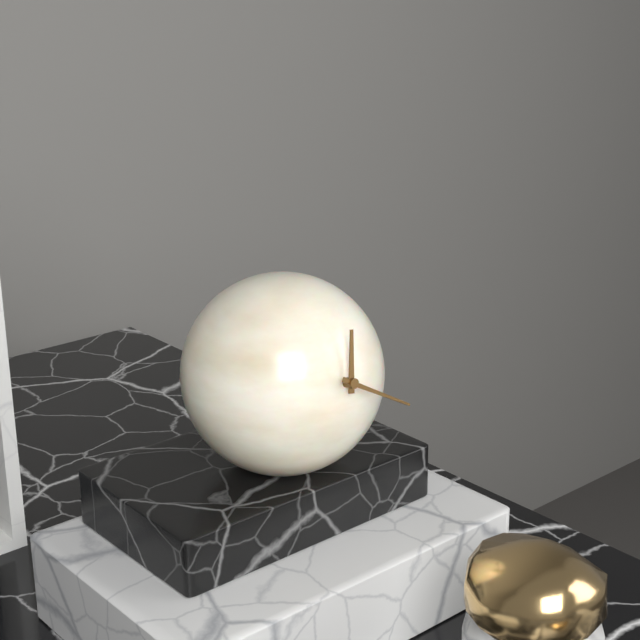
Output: 12h20
